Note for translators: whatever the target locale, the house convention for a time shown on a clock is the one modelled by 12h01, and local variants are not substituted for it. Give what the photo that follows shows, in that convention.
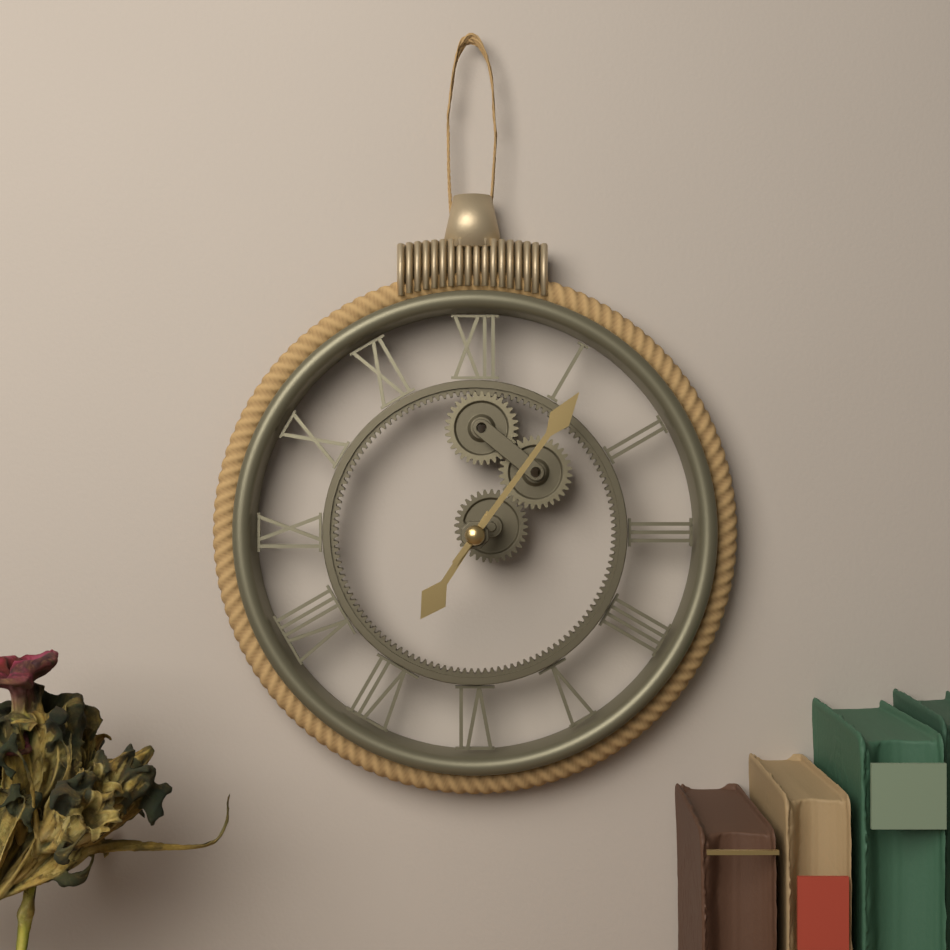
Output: 7h06
